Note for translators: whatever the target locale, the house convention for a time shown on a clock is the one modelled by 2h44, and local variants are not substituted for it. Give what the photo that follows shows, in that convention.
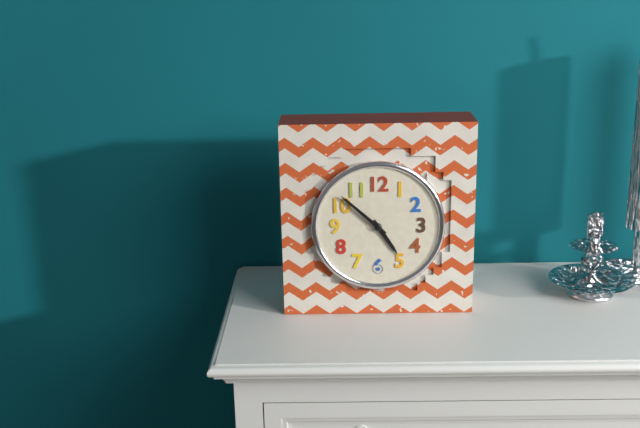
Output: 4h52
